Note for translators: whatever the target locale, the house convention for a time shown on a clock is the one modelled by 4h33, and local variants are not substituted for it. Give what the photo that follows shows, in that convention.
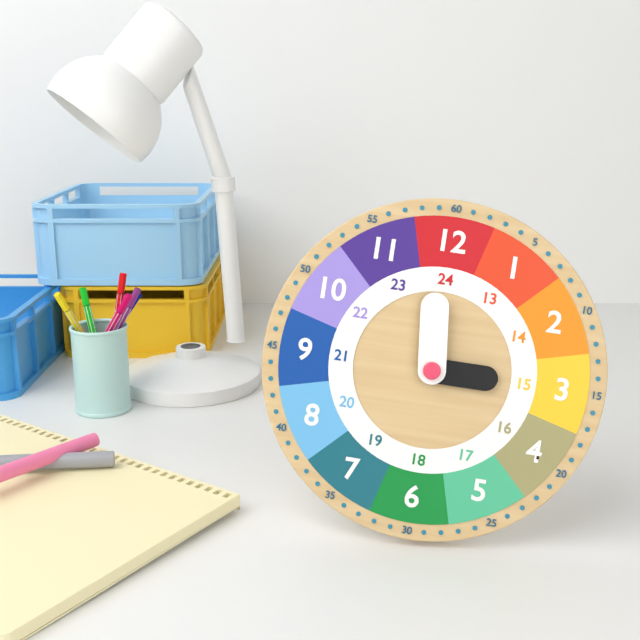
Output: 2h59
